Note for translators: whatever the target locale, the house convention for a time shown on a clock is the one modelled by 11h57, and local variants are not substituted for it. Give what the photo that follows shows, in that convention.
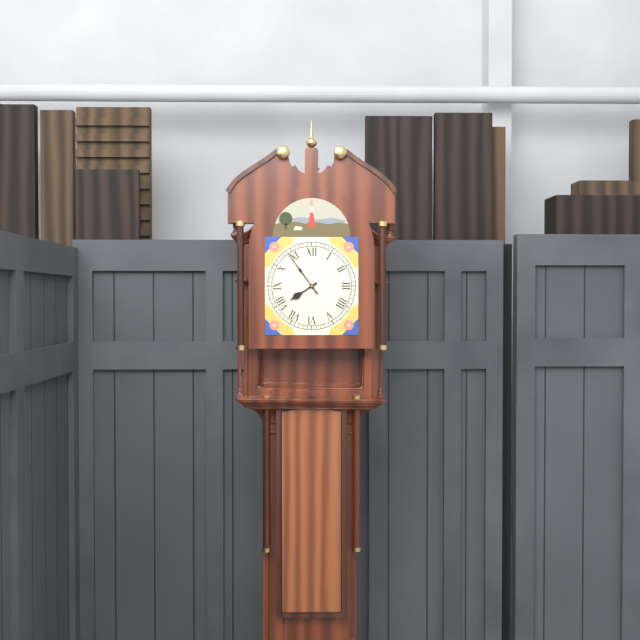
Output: 7h54
